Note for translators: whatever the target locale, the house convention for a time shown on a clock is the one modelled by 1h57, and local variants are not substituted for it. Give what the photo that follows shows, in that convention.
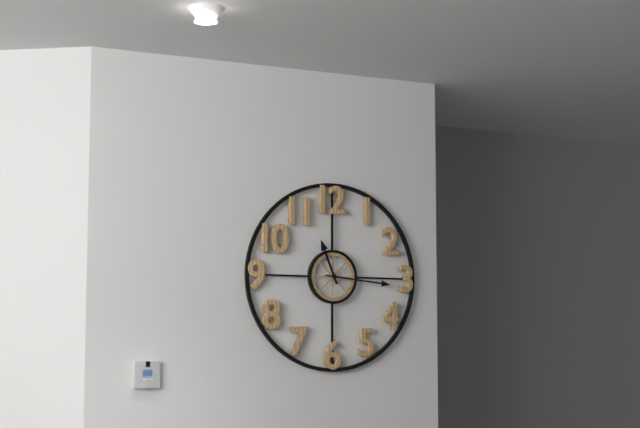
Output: 11h16
